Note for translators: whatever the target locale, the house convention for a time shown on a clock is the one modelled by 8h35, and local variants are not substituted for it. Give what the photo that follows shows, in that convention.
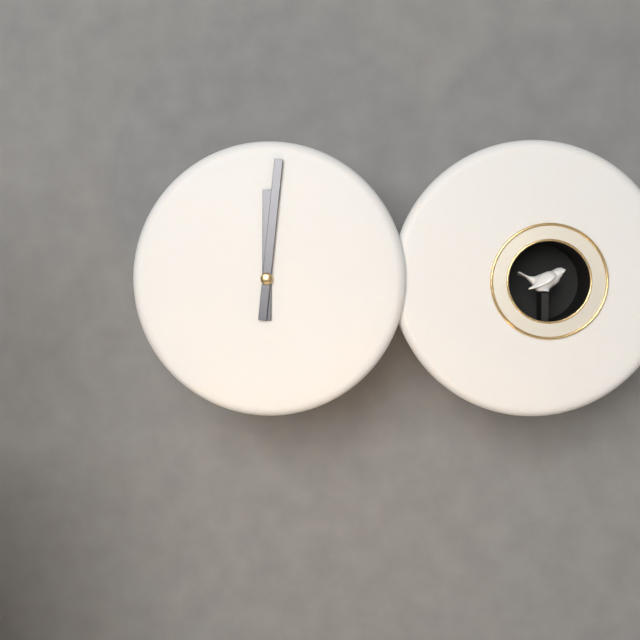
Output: 12h01
